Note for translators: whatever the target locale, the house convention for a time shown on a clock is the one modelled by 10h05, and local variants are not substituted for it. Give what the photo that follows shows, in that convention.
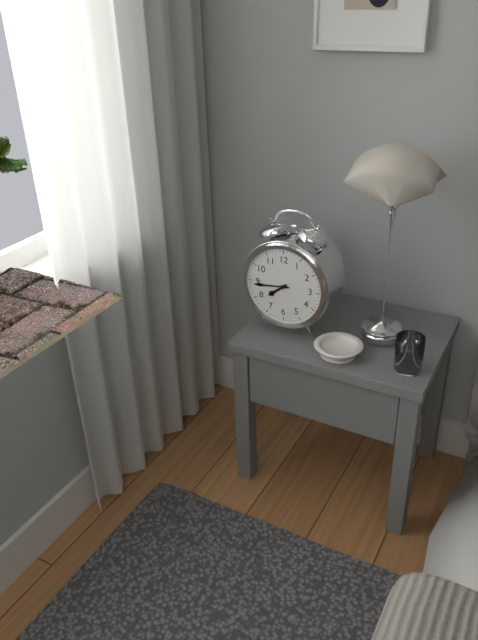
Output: 7h44
